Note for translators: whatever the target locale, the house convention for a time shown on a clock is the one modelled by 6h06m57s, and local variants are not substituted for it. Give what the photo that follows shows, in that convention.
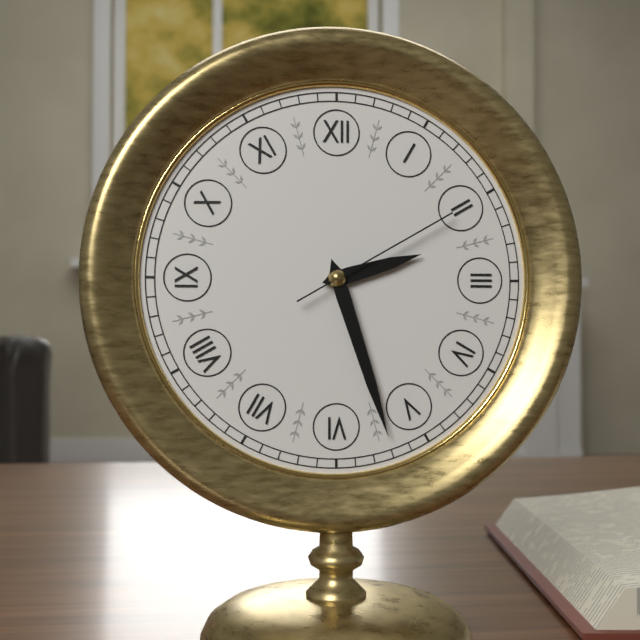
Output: 2h27m10s
